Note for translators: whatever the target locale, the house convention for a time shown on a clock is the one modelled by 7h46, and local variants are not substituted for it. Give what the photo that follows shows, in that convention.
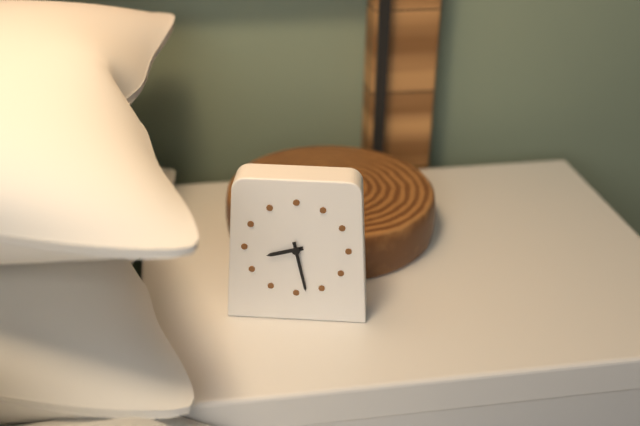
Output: 8h28
